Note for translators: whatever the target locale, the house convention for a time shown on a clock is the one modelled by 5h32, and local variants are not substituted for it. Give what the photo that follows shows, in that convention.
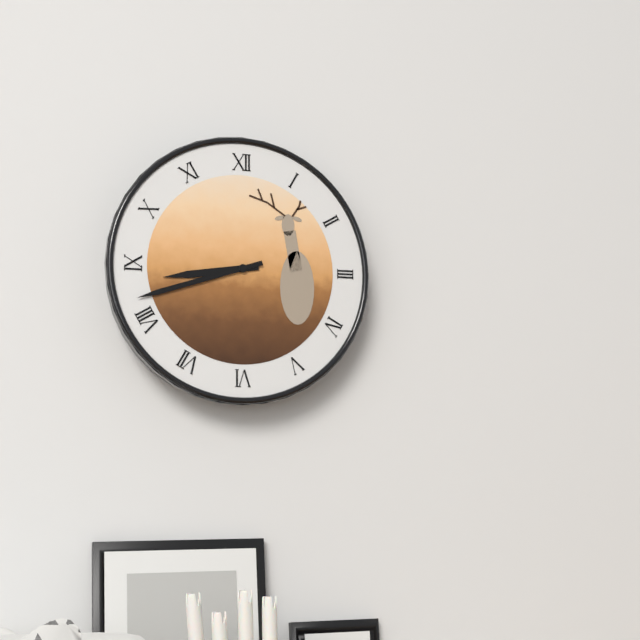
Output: 8h42
